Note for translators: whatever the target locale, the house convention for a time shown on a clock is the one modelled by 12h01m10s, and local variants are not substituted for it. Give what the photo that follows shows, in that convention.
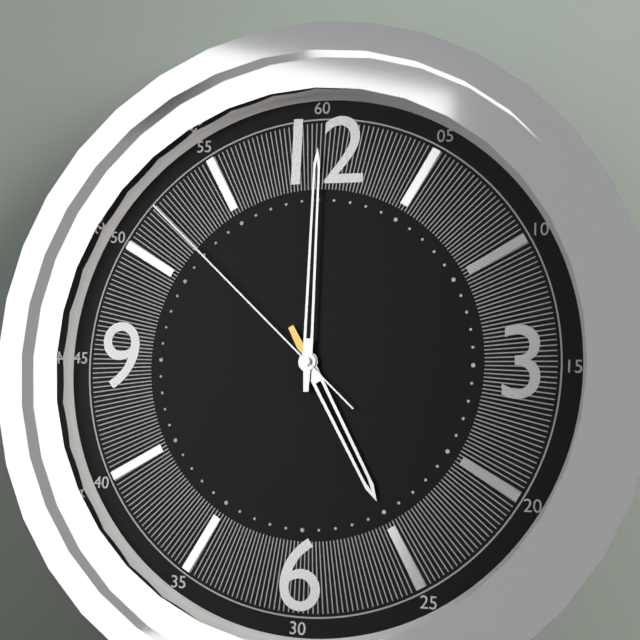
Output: 5h00m52s
